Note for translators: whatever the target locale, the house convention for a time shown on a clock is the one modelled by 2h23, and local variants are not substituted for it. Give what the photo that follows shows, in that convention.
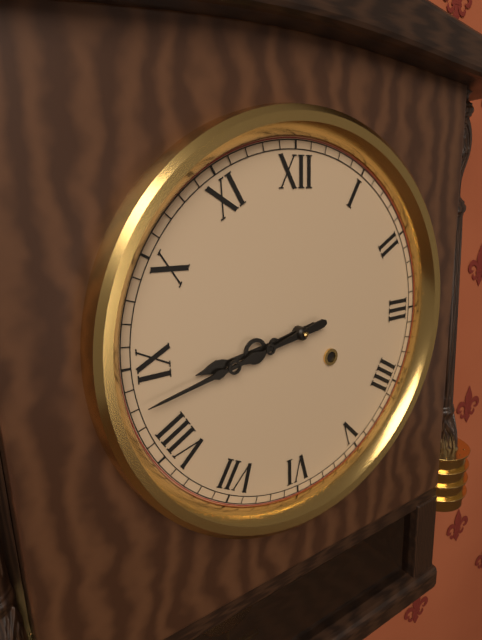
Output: 8h43
